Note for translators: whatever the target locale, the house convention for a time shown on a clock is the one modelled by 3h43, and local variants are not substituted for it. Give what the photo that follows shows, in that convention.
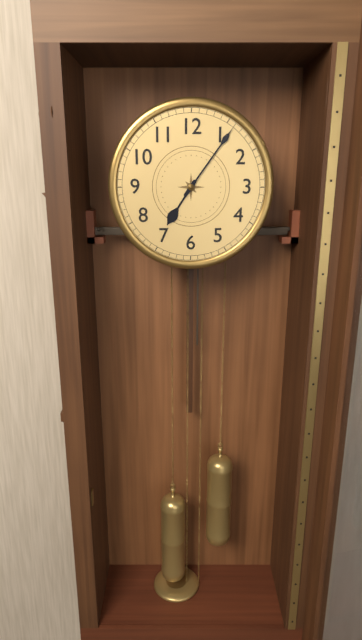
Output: 7h06
